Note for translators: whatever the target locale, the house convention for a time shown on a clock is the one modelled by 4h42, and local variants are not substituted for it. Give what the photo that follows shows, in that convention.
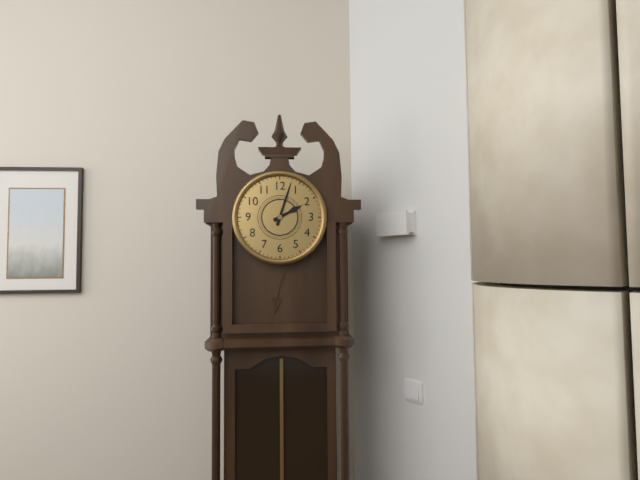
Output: 2h03
